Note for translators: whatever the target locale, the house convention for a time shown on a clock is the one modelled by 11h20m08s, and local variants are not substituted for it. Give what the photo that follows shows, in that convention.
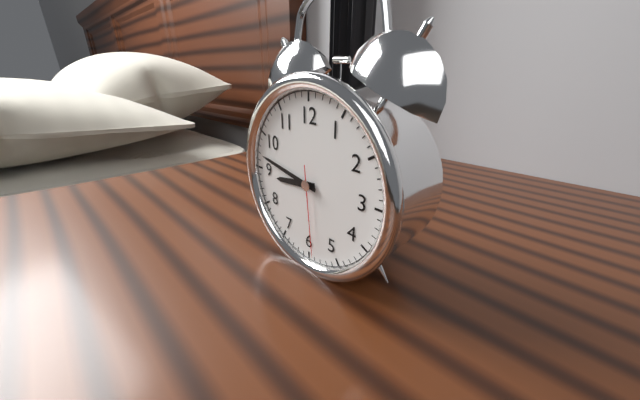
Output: 8h47m29s
